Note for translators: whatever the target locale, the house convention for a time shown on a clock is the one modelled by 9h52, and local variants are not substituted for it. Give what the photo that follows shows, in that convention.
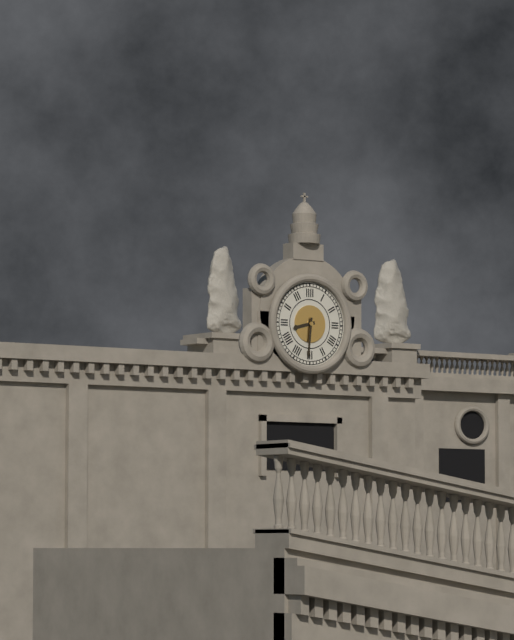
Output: 8h31
